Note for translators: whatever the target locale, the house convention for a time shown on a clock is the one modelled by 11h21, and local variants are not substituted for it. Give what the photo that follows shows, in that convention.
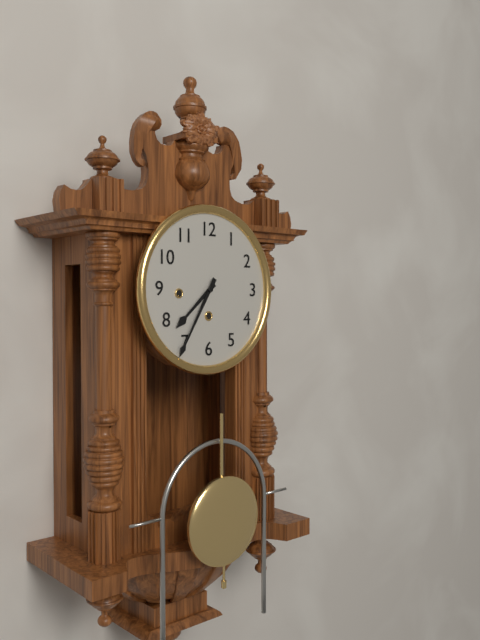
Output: 7h35
